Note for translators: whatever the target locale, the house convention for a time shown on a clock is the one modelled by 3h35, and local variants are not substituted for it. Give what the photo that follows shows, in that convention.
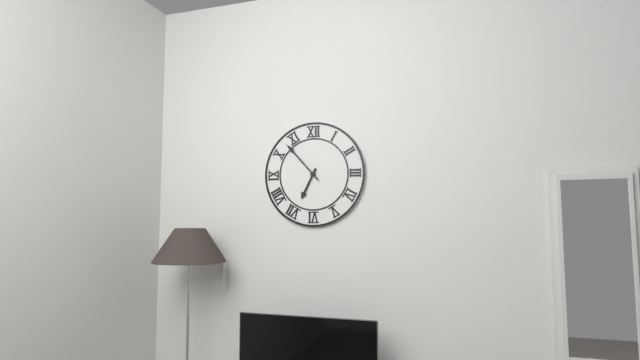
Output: 6h53
